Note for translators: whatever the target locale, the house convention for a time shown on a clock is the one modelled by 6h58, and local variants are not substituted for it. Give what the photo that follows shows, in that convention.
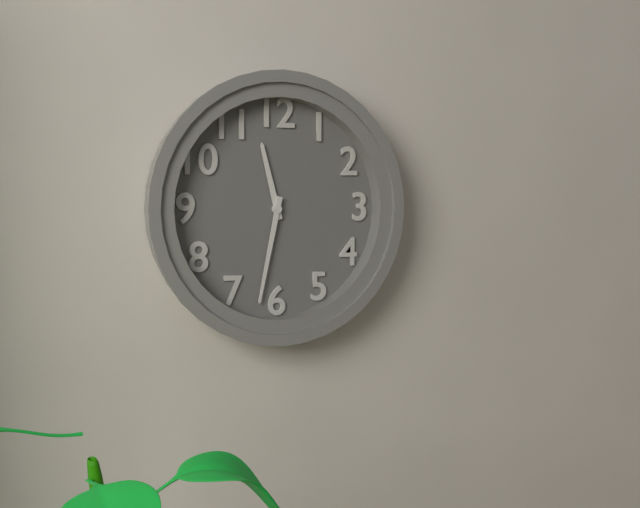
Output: 11h32
